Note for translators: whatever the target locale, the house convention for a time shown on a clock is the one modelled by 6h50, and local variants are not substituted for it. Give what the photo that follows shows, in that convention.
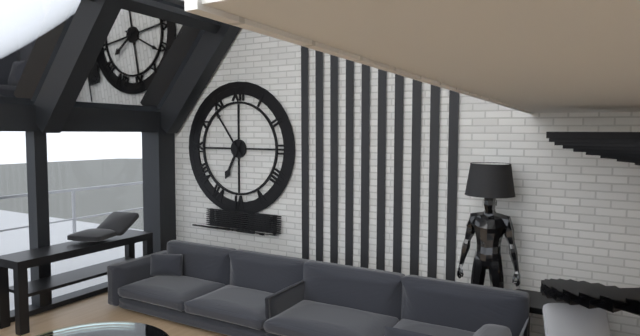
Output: 6h54
